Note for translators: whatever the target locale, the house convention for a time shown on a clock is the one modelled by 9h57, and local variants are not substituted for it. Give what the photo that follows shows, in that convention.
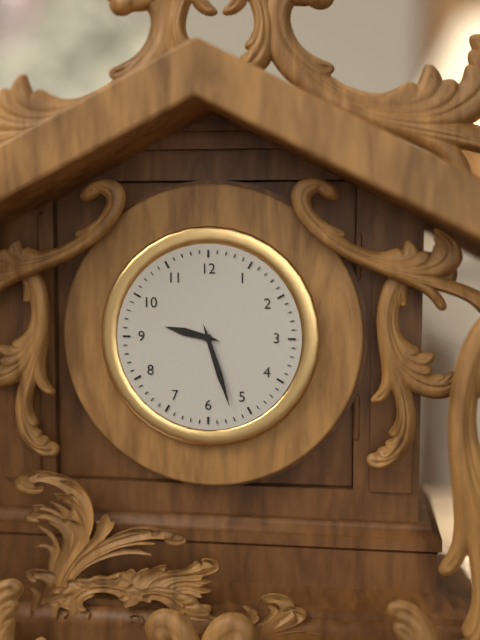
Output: 9h27
